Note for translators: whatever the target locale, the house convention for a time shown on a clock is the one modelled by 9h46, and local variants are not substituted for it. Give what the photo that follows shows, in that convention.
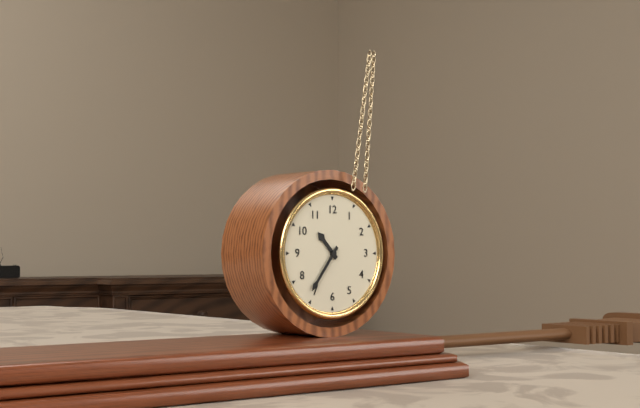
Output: 10h36
